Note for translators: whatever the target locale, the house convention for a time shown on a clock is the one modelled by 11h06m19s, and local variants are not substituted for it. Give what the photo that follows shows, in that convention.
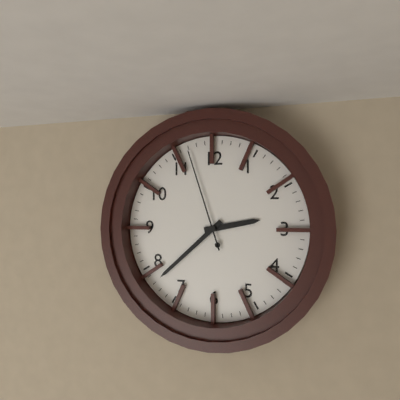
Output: 2h38m57s
